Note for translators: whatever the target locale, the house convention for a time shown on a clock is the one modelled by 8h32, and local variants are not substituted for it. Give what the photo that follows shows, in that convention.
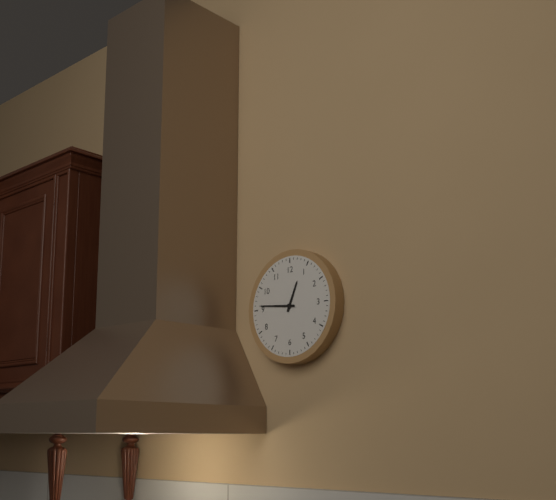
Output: 12h46
